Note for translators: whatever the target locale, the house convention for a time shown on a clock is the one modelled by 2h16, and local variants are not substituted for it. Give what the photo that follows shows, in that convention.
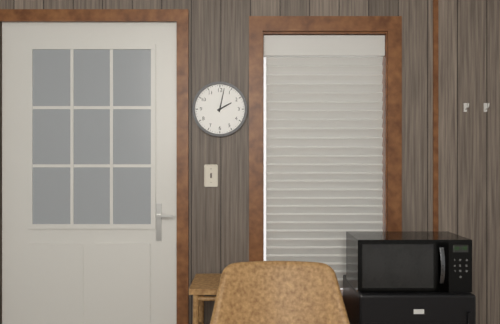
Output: 2h02
